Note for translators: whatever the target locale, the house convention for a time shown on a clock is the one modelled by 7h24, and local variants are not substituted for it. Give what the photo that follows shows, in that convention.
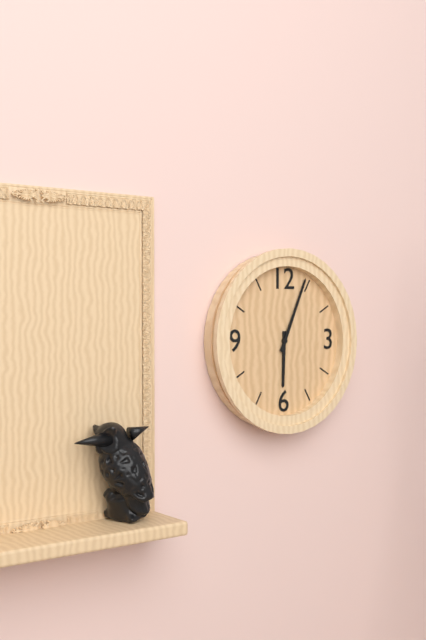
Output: 6h04
